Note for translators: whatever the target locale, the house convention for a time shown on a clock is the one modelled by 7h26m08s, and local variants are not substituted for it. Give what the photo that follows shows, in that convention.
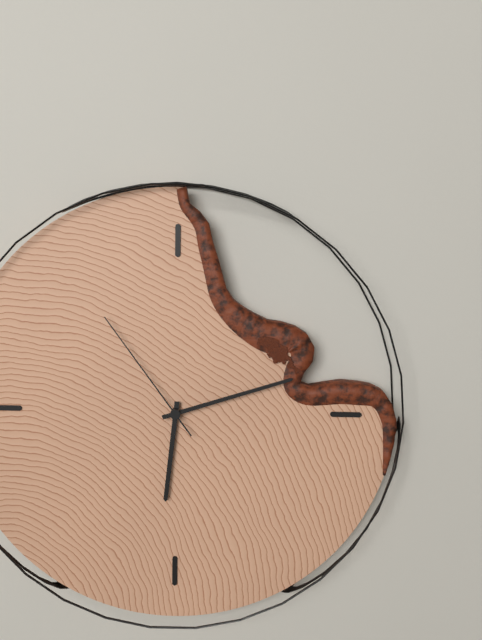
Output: 6h12m54s
